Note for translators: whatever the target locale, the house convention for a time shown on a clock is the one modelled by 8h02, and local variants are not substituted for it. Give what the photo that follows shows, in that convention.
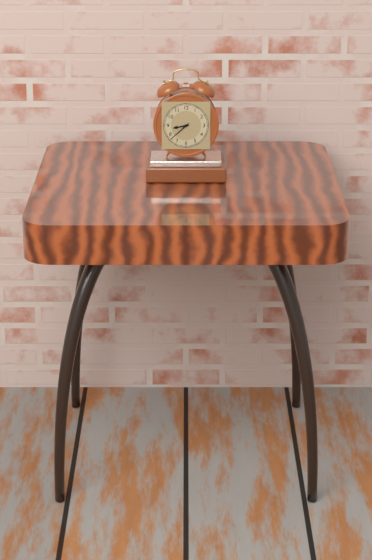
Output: 8h38
